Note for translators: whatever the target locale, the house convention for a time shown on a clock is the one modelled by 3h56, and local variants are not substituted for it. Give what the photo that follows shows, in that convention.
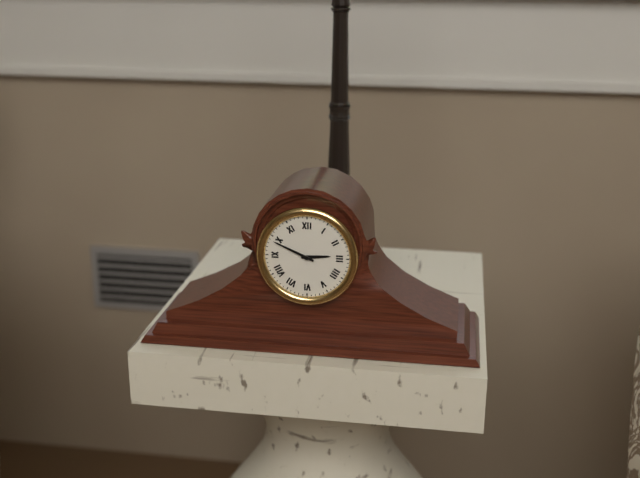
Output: 2h49
